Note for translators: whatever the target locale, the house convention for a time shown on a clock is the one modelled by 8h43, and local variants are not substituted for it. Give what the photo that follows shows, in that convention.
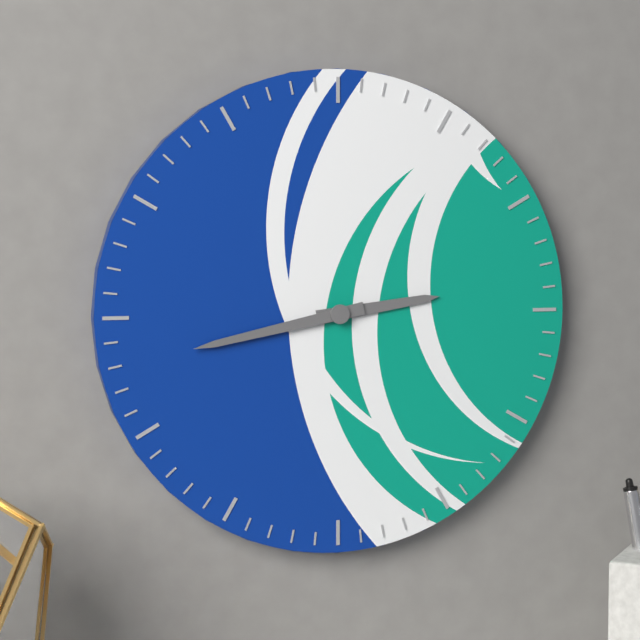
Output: 2h43
